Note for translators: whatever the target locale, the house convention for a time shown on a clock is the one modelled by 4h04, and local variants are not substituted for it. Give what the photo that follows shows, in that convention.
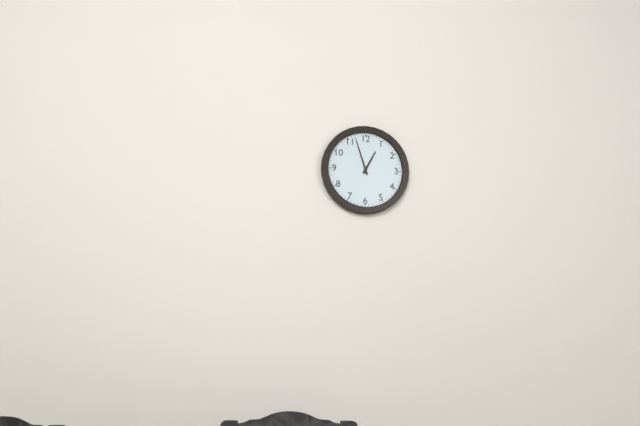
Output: 12h57
